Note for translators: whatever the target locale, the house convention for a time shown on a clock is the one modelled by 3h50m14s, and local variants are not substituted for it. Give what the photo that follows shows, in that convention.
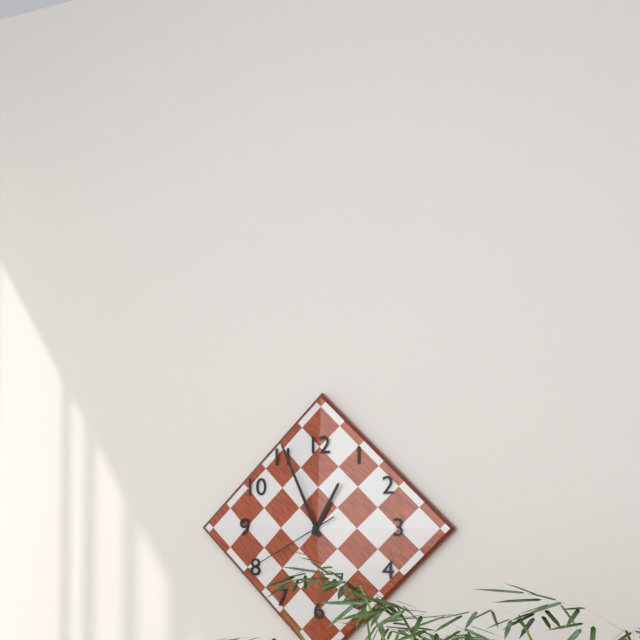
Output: 12h56m40s
